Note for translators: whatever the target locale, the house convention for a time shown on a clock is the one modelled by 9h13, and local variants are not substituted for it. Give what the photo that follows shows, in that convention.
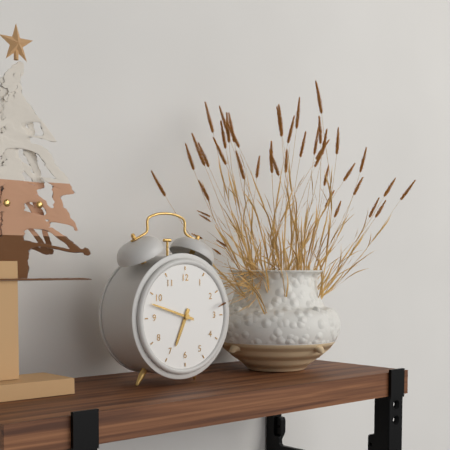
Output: 6h48
